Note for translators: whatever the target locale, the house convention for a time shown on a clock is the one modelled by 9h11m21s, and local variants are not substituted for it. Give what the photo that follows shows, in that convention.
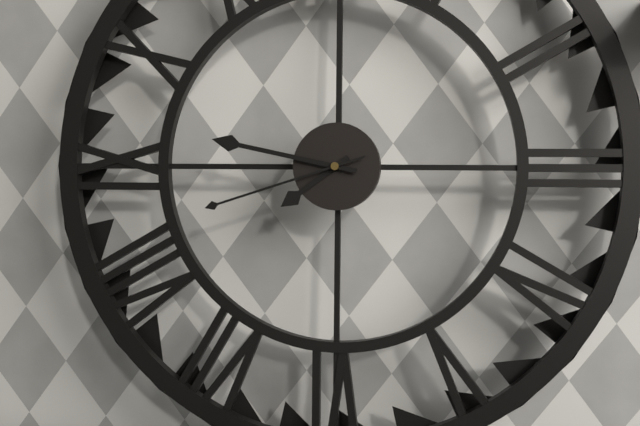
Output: 7h47m42s
